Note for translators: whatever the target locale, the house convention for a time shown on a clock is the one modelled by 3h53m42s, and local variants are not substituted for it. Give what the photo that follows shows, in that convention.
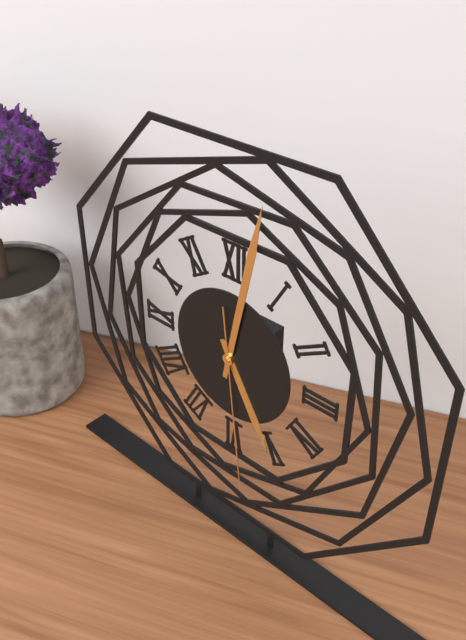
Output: 5h02m29s
